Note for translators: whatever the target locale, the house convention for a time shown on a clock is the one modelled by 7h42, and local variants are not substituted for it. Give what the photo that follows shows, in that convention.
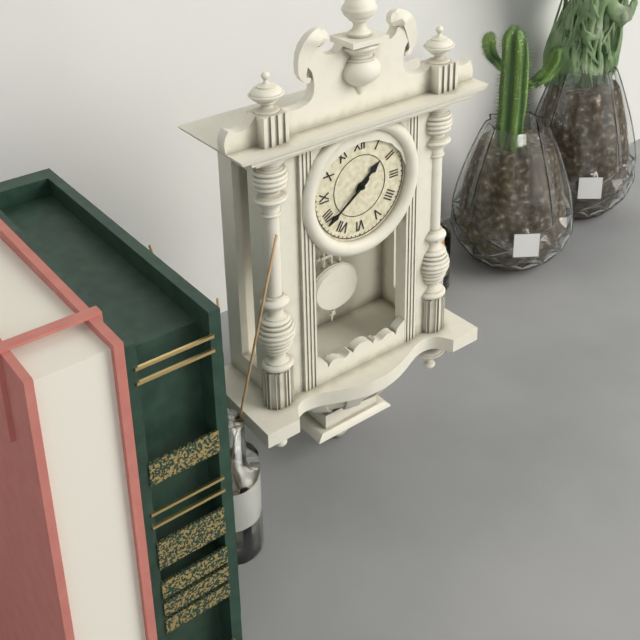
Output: 1h39
